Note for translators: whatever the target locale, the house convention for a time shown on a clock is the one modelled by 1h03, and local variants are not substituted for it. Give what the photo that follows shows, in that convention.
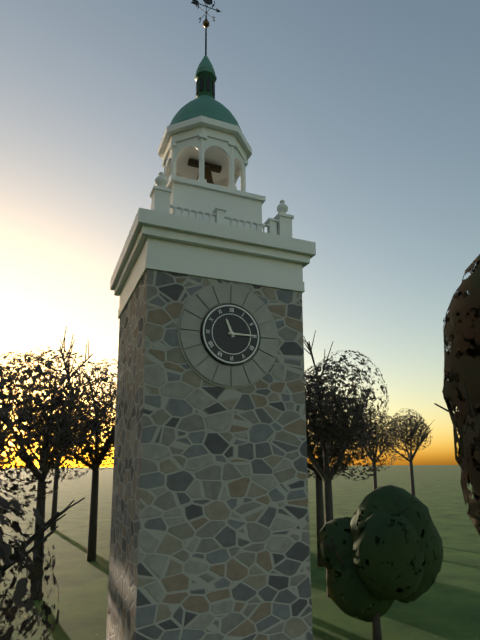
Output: 11h15
